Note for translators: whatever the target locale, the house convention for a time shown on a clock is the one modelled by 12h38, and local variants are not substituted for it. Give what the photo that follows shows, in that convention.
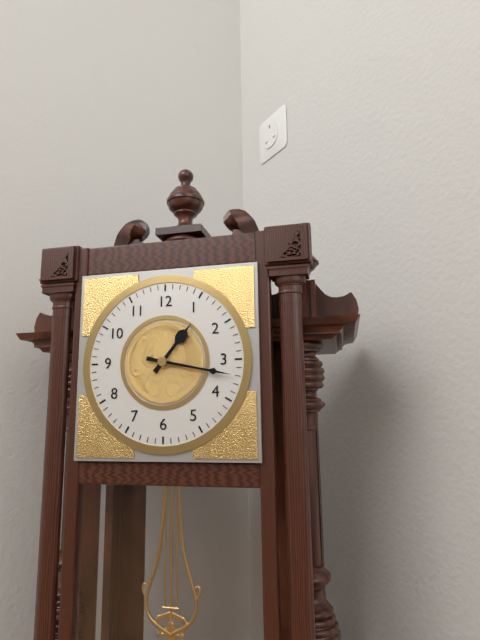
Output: 1h17
